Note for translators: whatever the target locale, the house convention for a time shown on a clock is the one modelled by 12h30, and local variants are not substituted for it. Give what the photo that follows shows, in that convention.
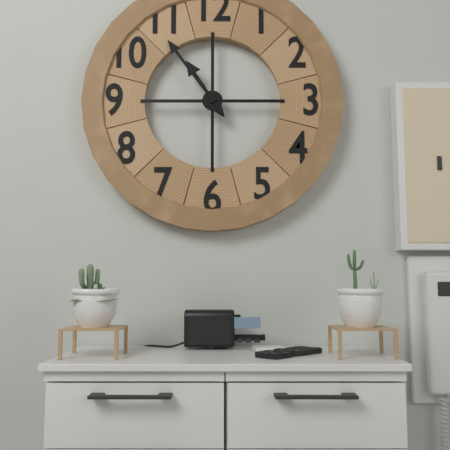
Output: 10h54
